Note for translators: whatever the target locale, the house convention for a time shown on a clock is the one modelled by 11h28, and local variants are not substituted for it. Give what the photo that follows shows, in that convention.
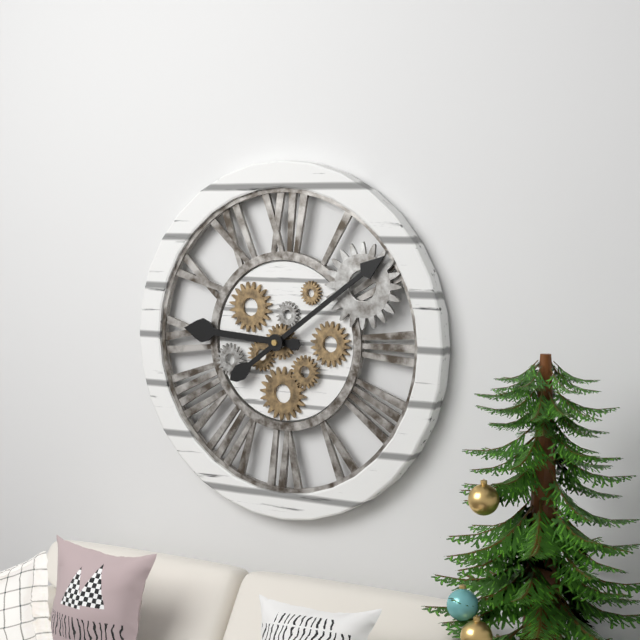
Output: 9h09
